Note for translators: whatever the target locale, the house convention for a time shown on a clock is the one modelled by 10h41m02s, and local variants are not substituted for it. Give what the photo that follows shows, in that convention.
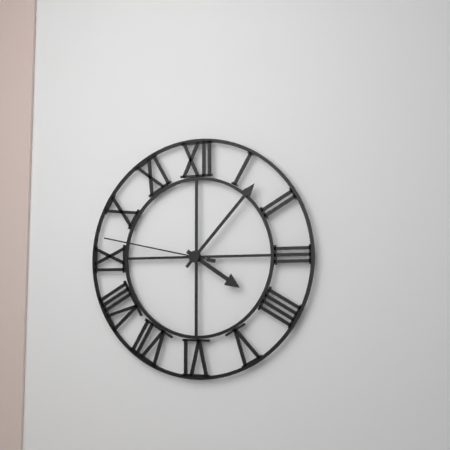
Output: 4h07m47s
